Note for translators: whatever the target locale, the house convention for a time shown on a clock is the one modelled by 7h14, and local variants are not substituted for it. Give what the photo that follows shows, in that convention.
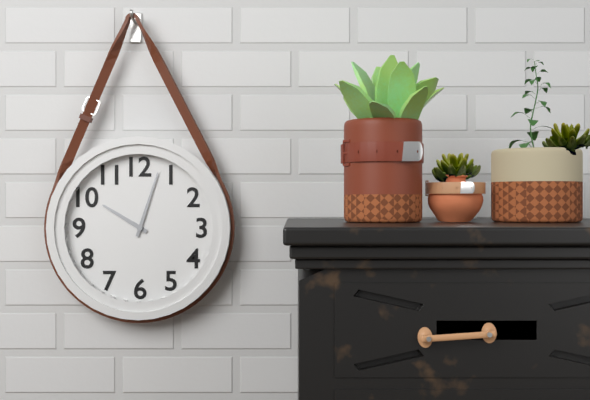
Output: 10h03
